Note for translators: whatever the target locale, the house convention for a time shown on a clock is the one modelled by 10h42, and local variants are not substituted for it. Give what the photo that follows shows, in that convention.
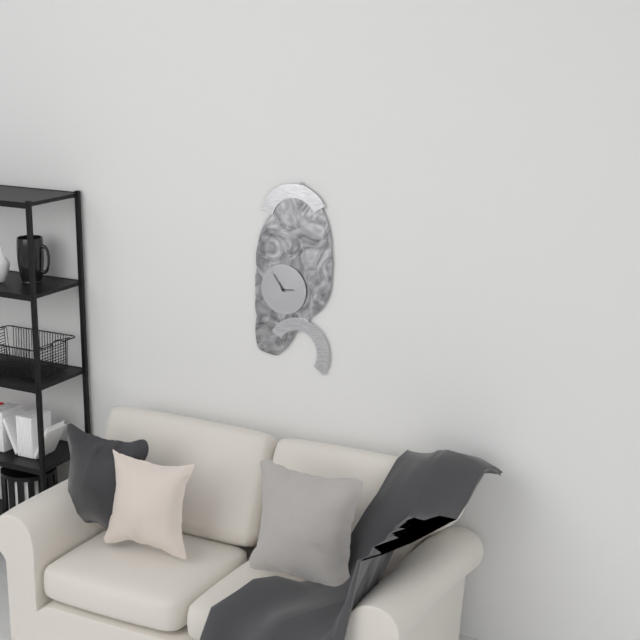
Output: 2h54
